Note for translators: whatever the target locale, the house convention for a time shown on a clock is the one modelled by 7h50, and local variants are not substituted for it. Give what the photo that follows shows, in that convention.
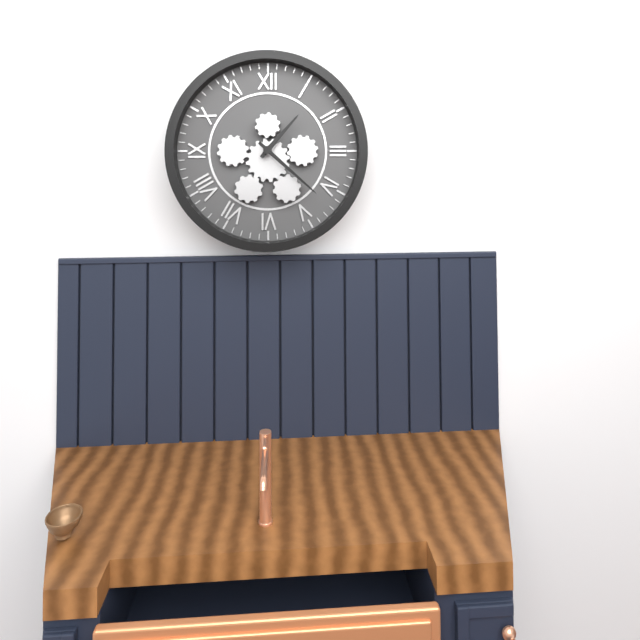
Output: 1h22
